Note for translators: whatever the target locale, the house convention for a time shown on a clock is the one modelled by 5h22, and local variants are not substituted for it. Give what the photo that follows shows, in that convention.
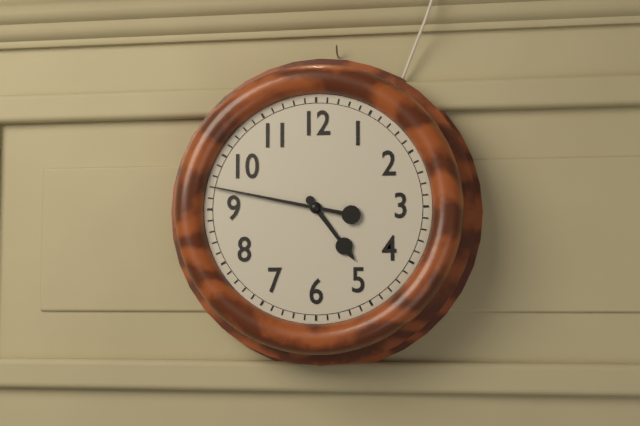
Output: 4h47
